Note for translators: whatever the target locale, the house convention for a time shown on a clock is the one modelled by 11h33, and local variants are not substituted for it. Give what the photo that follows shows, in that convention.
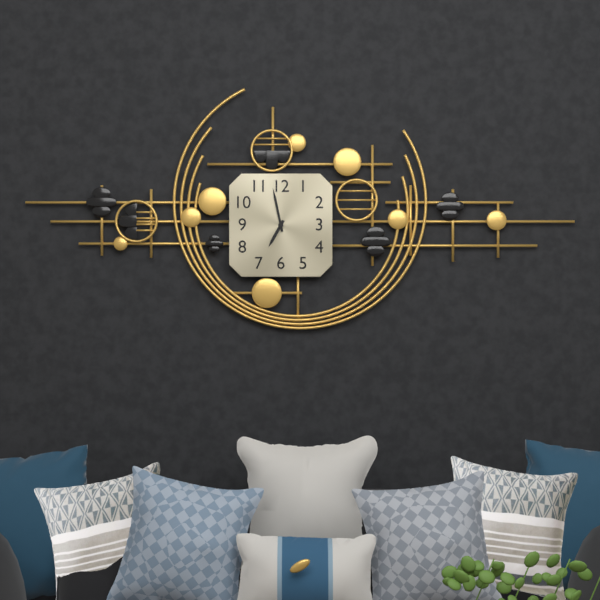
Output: 6h58
